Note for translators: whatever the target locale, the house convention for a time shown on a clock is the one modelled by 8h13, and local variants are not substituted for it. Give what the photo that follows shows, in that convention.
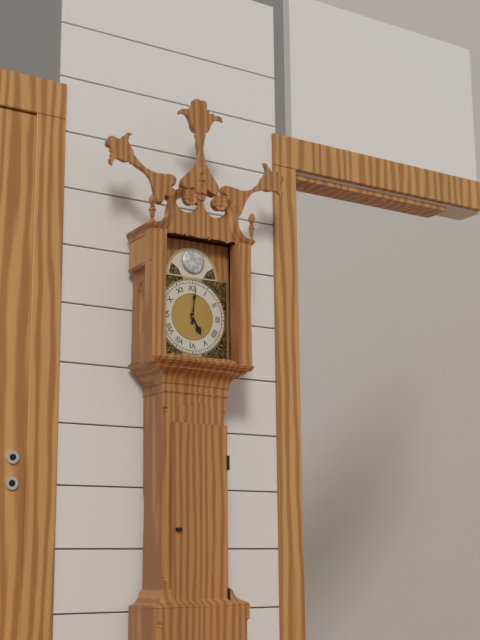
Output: 5h01
